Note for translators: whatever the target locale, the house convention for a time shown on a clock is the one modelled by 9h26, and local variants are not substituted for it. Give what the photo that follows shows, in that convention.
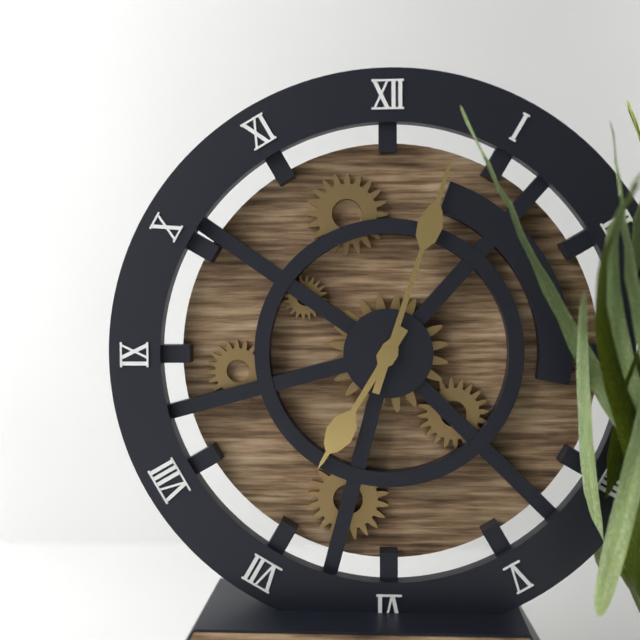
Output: 7h03
